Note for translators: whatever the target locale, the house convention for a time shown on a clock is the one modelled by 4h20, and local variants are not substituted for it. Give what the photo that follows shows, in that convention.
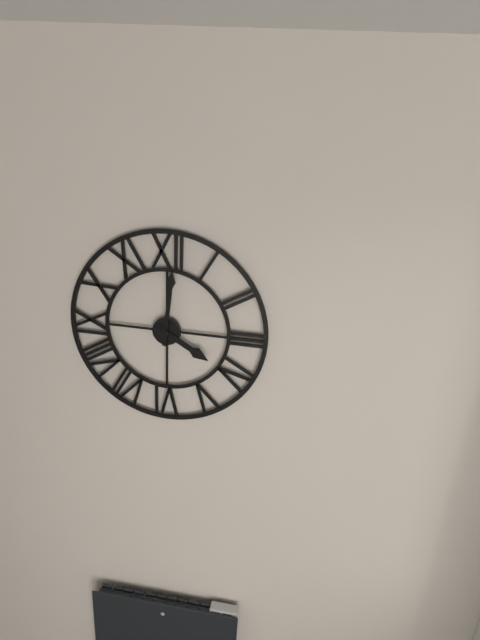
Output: 4h01
